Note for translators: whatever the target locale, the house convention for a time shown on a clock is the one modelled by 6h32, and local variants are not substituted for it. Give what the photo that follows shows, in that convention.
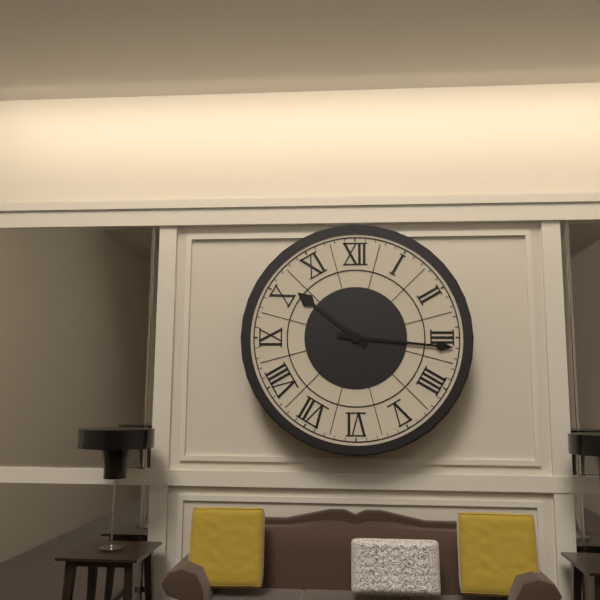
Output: 10h16
